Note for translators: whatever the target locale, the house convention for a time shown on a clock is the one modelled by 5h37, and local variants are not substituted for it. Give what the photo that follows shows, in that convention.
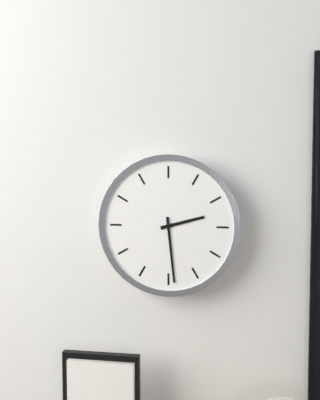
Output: 2h29
